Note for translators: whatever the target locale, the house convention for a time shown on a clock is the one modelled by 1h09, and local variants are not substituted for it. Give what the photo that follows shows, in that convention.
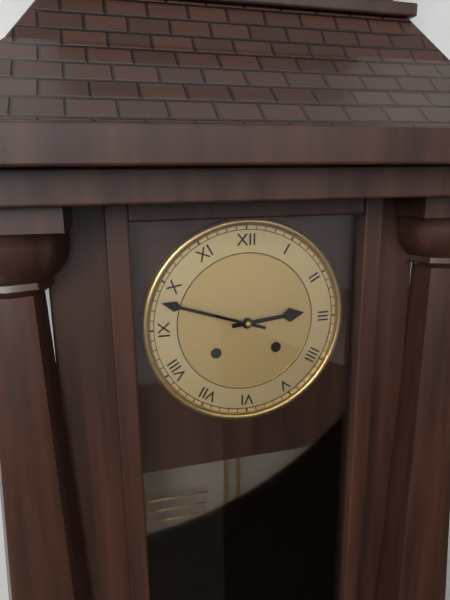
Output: 2h48
